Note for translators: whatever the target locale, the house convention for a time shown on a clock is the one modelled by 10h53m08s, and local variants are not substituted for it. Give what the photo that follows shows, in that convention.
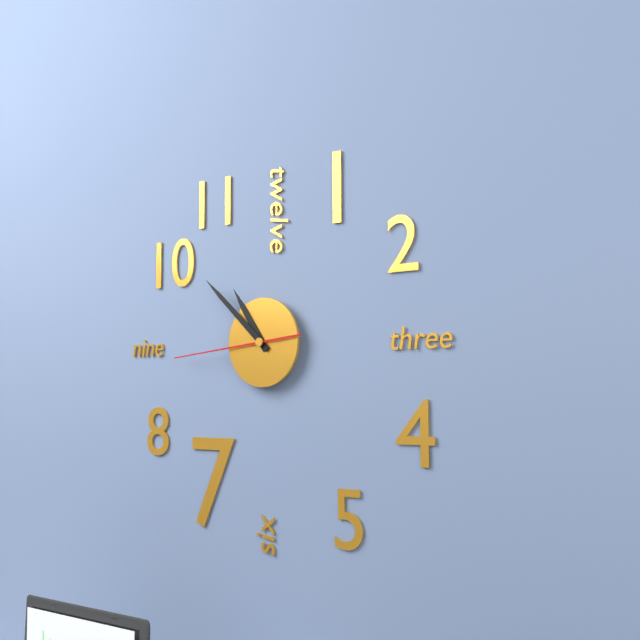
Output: 10h52m44s
